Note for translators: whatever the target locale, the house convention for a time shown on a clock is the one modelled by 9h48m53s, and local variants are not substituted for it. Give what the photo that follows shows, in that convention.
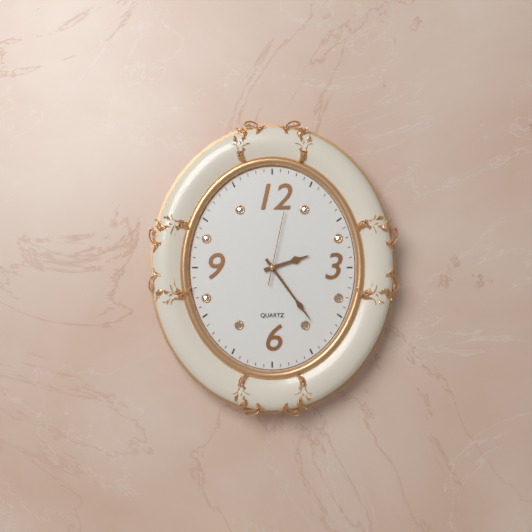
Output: 2h24m02s
